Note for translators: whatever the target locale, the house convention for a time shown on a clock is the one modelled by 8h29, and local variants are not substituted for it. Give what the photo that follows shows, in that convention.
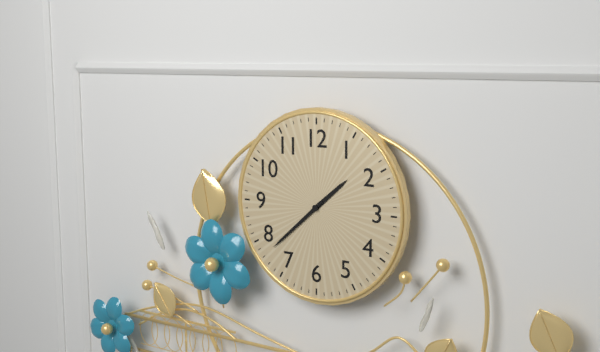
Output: 1h38
